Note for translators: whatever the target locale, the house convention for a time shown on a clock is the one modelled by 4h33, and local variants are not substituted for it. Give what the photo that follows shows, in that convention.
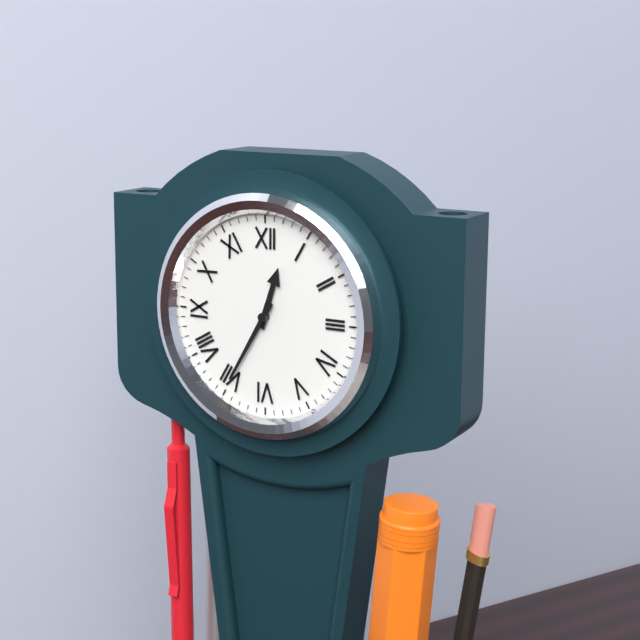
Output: 12h35
